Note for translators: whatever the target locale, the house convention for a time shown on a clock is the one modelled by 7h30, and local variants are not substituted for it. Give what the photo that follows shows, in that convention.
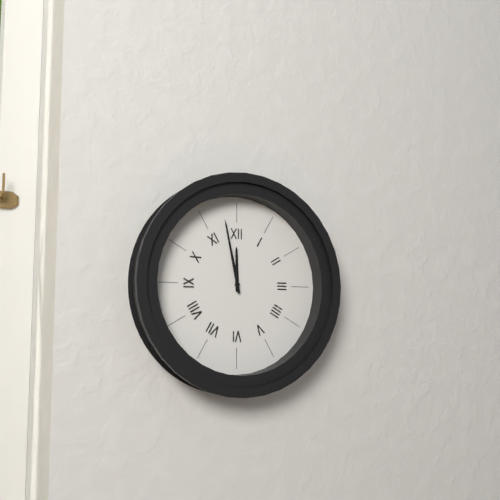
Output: 11h58
